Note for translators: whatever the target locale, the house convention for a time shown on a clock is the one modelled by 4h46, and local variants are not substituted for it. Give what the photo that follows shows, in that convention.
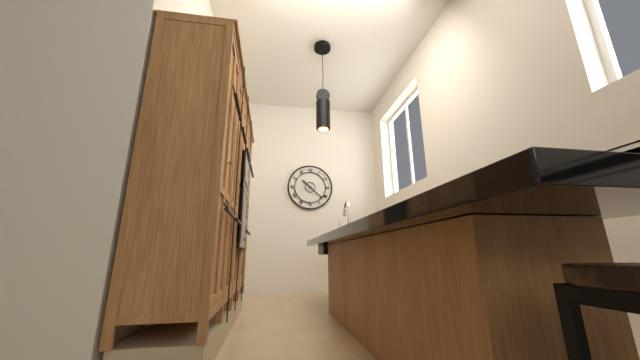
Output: 10h22
